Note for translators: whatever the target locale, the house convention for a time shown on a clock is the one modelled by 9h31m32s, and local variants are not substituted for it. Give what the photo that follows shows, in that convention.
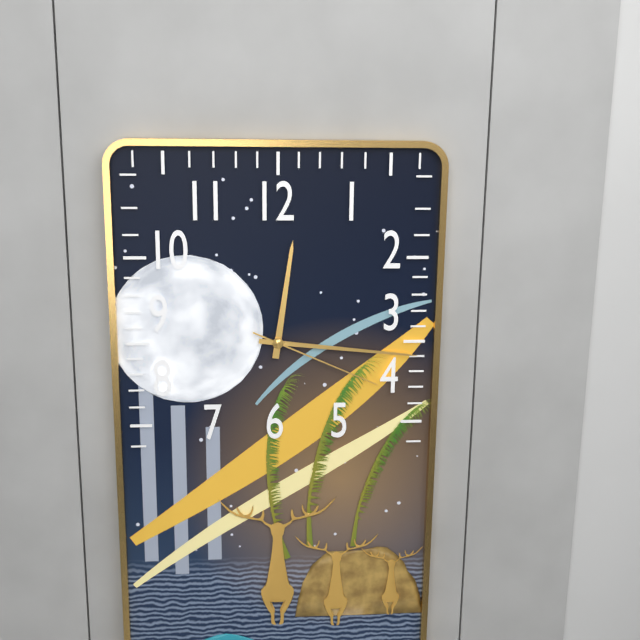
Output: 12h16m19s
